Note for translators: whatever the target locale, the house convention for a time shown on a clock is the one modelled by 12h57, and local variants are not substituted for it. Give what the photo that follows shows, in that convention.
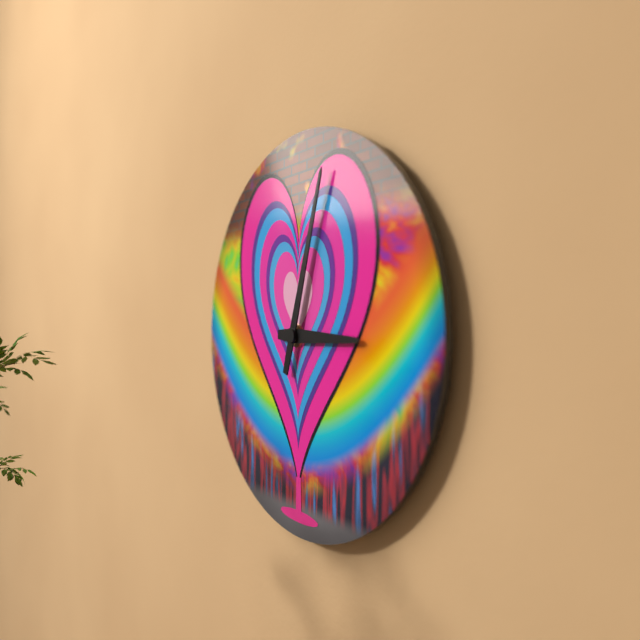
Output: 3h03
